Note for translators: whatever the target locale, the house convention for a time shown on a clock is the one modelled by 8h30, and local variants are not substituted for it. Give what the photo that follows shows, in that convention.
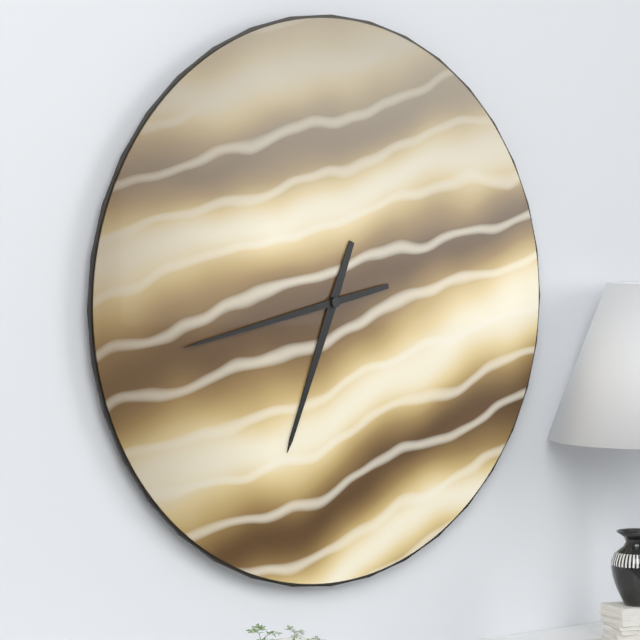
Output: 6h43
